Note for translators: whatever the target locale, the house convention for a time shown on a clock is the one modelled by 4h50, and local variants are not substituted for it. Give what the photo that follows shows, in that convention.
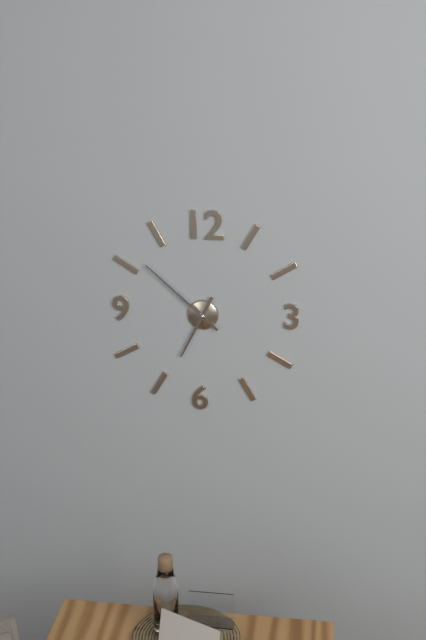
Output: 6h52
